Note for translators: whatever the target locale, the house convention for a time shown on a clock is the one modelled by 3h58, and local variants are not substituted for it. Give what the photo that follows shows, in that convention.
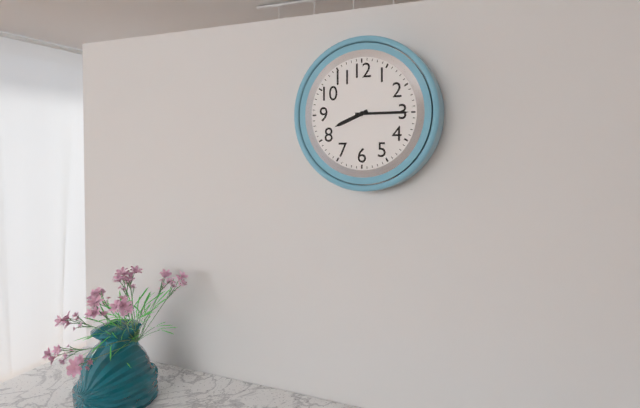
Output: 8h15
